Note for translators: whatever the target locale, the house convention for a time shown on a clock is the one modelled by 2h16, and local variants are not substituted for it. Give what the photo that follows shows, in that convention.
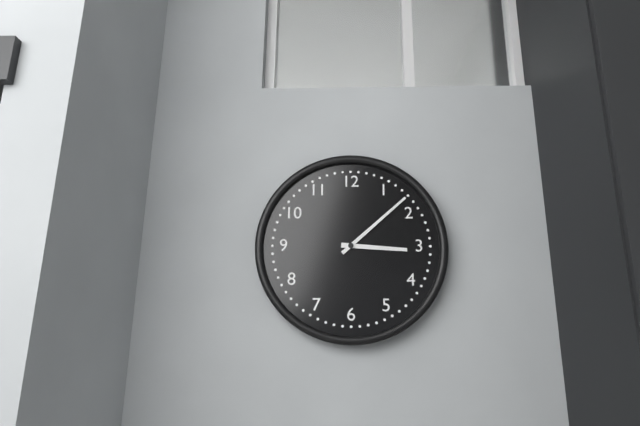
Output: 3h08
